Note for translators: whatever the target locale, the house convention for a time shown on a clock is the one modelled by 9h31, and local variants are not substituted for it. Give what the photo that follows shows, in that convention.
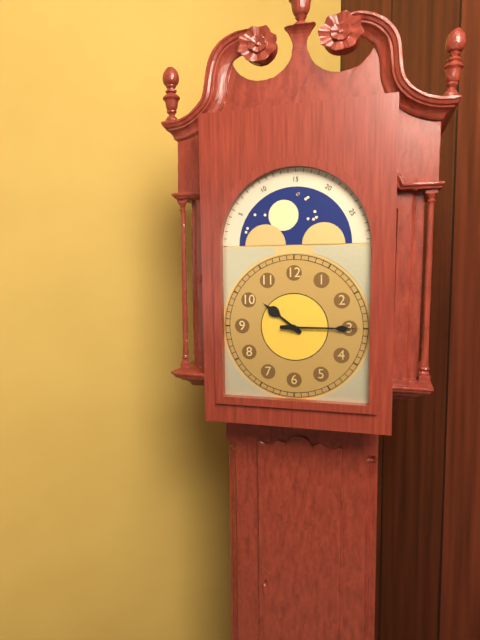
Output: 10h15
